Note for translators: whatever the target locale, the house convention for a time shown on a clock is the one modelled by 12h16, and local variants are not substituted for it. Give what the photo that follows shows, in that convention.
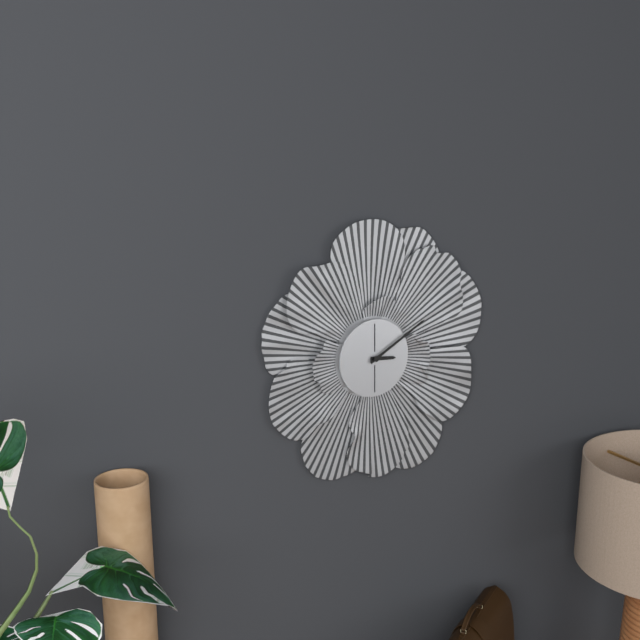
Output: 3h10
